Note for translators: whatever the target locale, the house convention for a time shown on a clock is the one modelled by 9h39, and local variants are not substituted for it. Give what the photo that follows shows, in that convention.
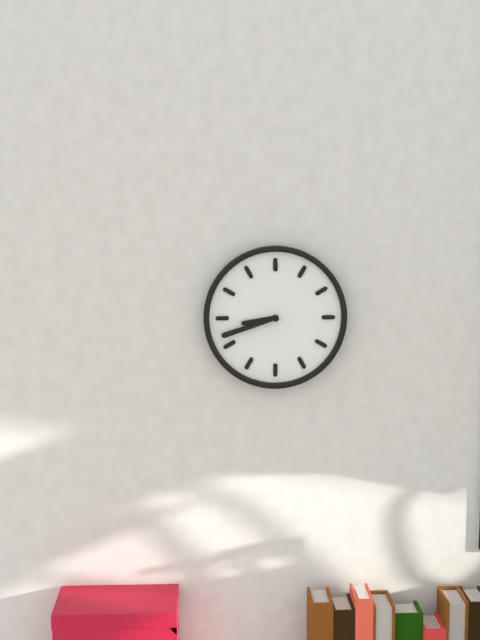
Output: 8h42
